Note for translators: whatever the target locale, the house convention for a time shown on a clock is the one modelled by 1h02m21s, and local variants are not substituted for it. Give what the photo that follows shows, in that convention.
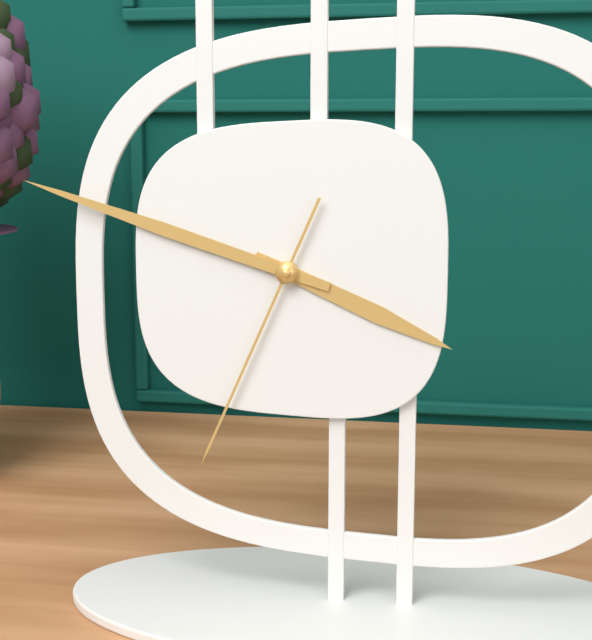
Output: 3h48m34s
